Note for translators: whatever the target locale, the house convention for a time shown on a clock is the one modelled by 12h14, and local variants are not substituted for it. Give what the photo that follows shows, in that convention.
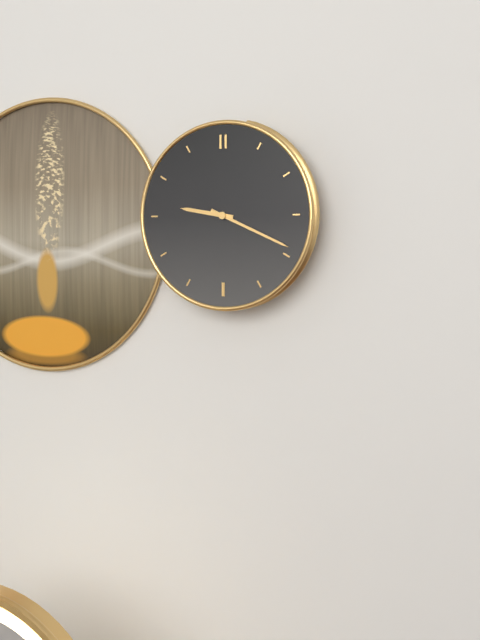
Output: 9h19
